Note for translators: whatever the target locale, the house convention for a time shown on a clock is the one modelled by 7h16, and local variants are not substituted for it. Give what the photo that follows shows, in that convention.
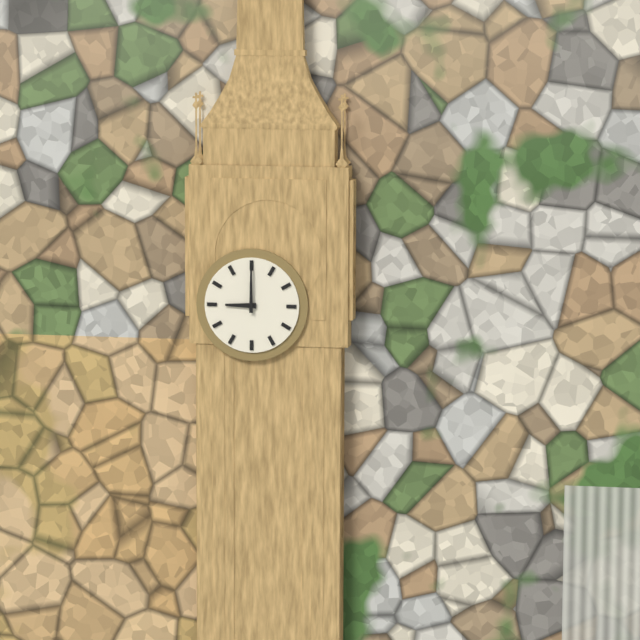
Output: 9h00
